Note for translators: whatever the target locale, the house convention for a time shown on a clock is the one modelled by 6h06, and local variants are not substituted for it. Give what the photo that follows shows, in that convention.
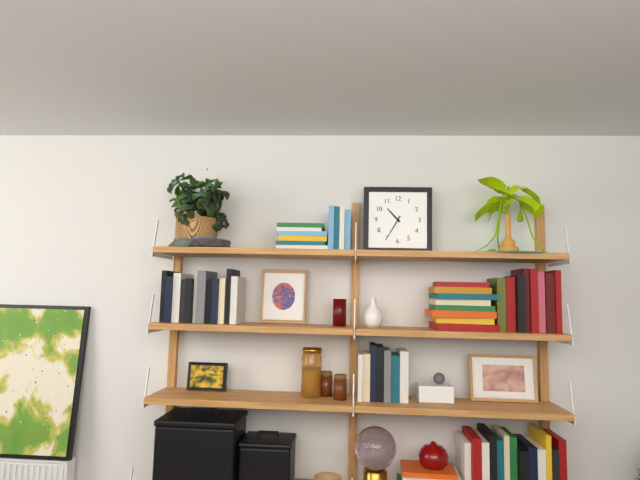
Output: 10h35
